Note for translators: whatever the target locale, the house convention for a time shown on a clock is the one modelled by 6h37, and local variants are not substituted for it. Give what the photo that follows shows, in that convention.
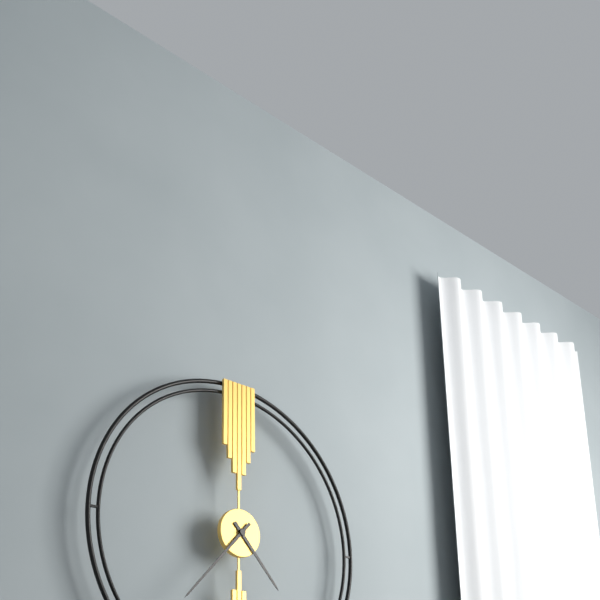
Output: 4h37
